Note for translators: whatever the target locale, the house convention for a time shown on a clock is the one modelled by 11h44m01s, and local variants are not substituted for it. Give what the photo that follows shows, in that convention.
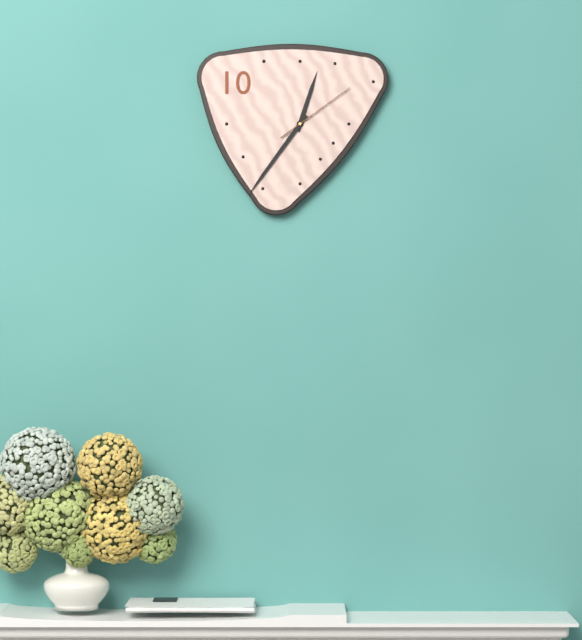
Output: 12h36m09s
